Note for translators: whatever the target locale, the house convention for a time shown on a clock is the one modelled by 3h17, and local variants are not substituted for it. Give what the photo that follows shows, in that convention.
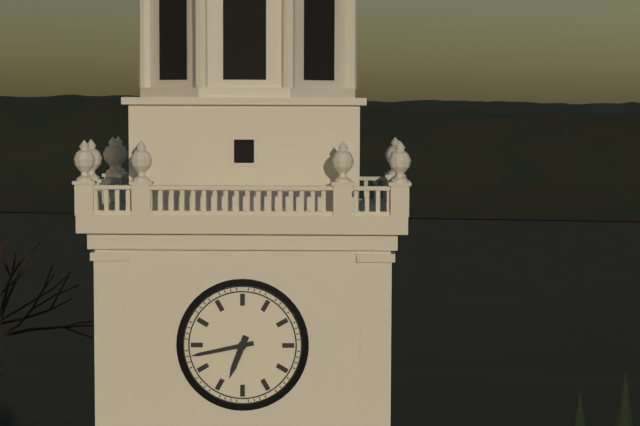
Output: 6h43
